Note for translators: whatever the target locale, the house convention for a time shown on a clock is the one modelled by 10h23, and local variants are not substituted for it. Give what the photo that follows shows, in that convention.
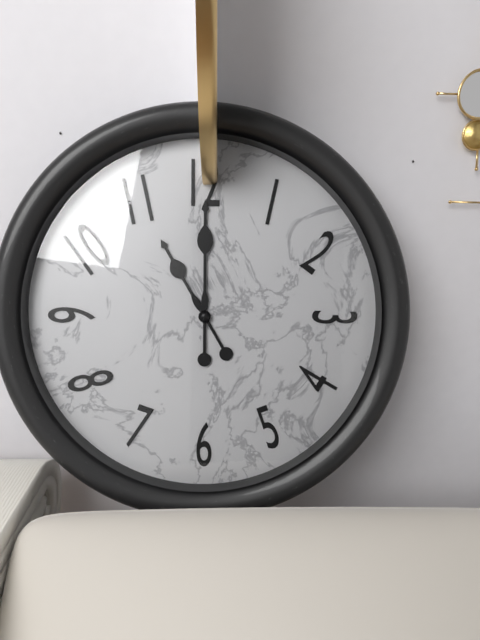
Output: 11h00
